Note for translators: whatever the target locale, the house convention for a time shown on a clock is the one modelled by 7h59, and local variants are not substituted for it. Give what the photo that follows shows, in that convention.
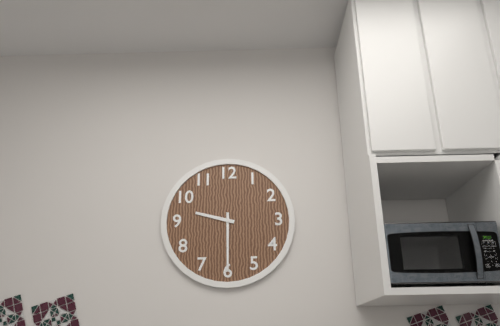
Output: 9h30
